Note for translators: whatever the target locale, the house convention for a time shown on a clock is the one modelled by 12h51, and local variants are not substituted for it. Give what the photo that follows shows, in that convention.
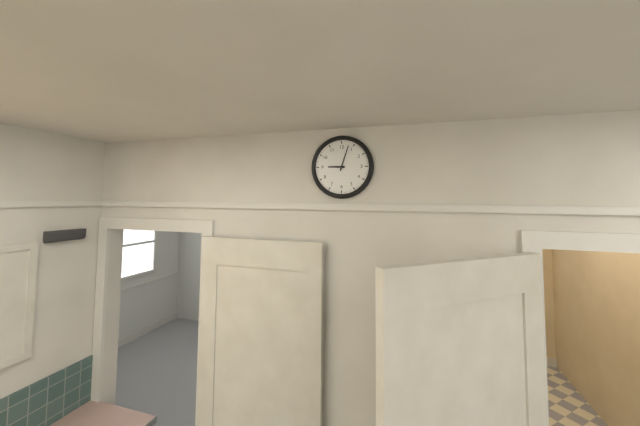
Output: 9h03
